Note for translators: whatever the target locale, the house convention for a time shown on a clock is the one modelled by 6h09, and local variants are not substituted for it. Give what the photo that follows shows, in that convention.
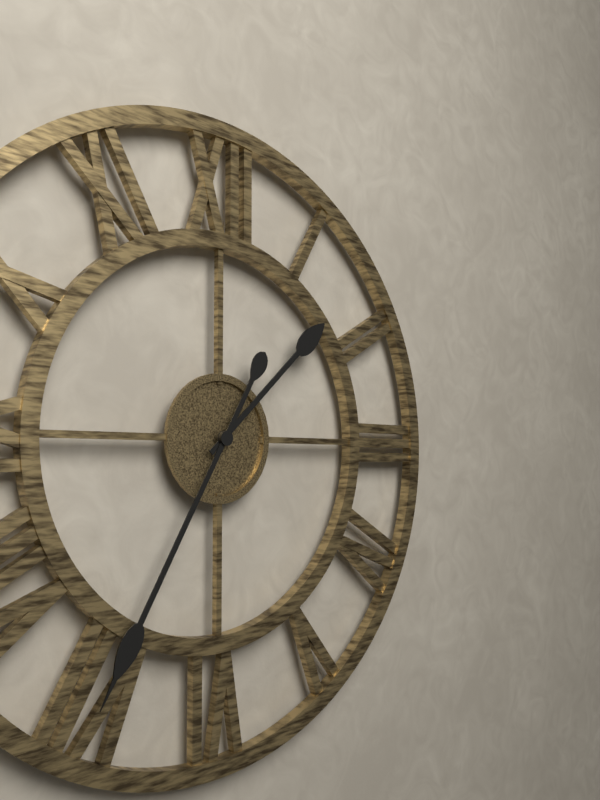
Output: 1h35
